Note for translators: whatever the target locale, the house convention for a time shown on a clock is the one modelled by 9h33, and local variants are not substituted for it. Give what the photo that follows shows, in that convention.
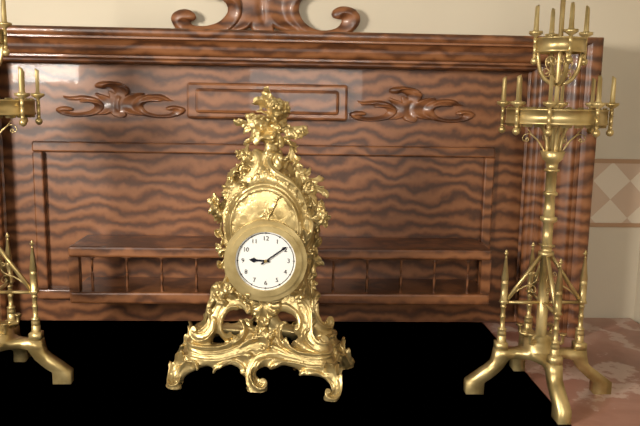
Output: 9h09
